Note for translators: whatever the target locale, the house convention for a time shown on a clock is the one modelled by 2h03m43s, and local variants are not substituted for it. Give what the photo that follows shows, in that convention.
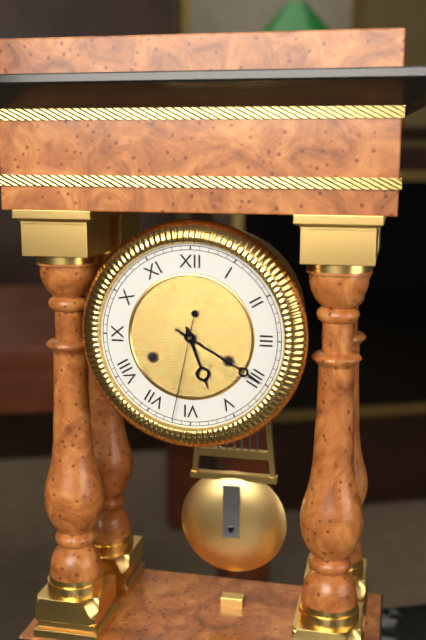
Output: 5h20m32s
